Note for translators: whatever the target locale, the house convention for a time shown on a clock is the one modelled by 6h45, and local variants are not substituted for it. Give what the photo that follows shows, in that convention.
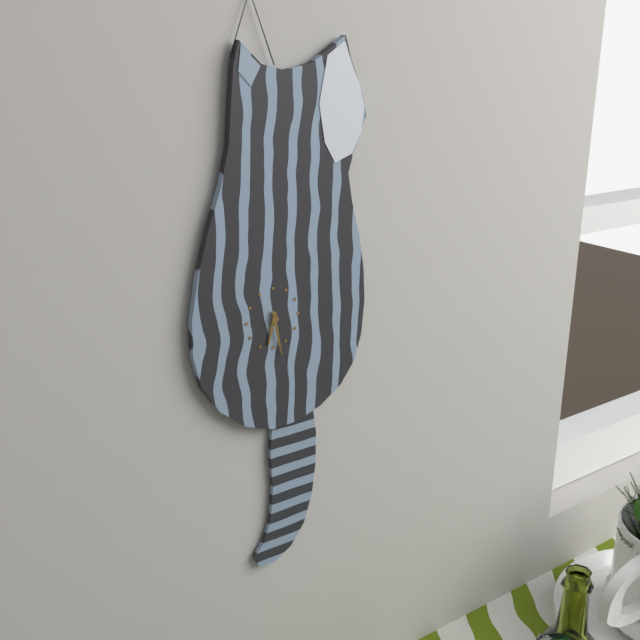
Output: 6h28
